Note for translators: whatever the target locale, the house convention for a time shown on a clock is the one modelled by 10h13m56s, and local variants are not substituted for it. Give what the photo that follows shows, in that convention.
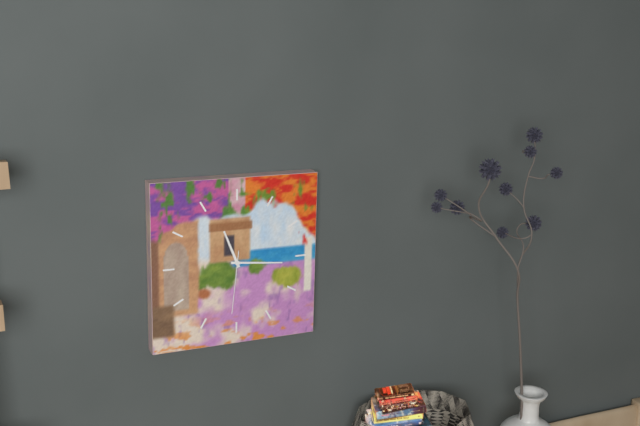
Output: 11h16m31s
